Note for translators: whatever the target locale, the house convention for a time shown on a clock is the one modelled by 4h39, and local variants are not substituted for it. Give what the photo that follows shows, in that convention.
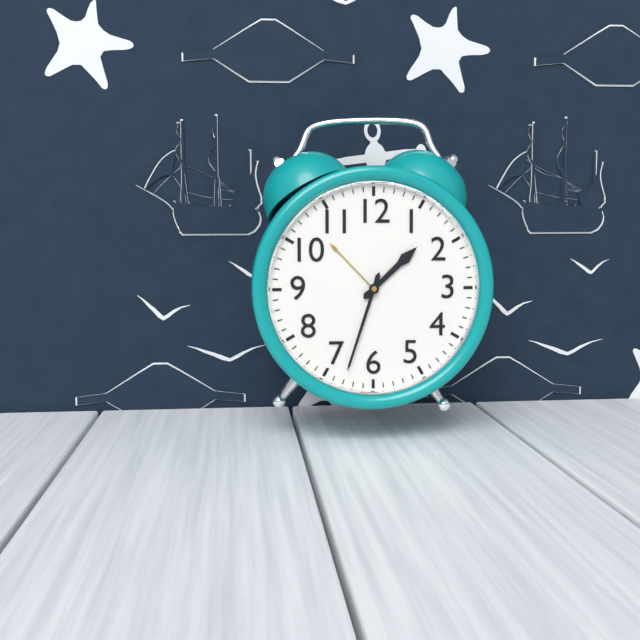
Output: 1h33
